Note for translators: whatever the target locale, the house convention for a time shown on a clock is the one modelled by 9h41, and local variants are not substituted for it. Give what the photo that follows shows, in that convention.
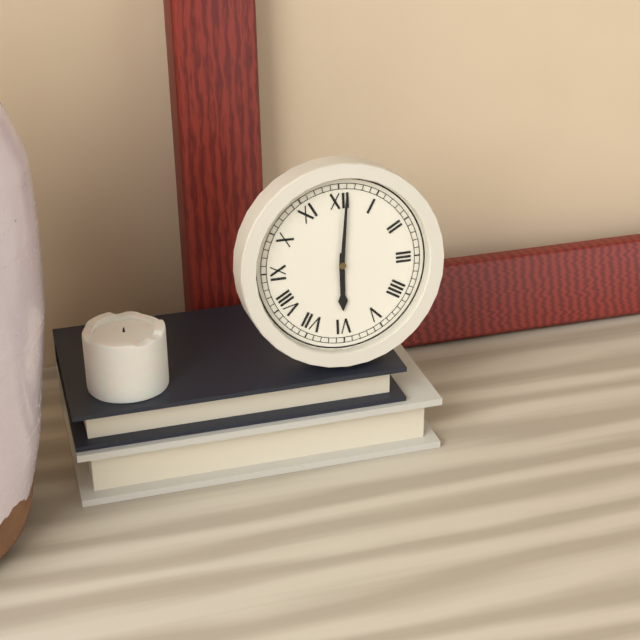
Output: 6h01
